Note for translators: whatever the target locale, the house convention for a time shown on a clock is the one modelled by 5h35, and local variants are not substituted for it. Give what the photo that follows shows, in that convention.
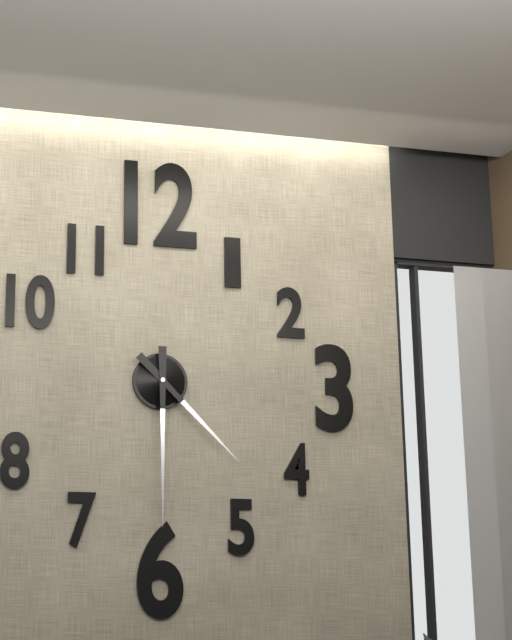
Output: 4h30
